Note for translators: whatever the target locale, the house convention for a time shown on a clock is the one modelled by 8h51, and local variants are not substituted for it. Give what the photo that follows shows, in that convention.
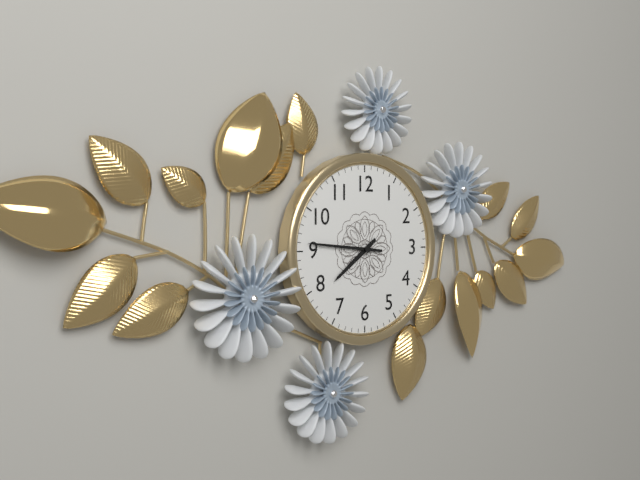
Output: 7h46
